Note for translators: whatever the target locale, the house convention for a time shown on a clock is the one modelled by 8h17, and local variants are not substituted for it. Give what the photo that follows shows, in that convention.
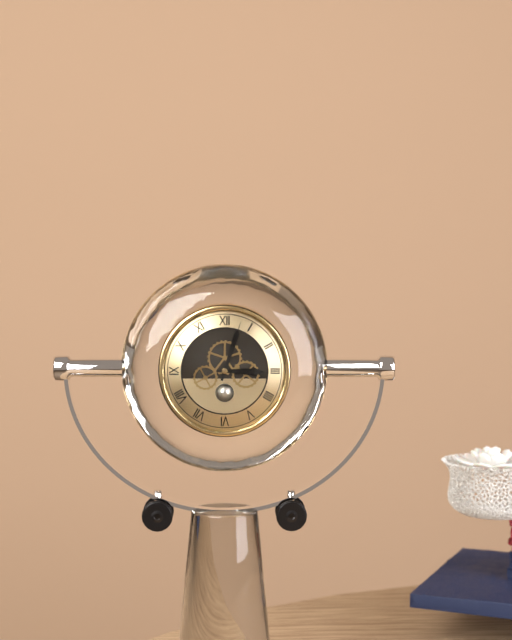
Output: 3h03
